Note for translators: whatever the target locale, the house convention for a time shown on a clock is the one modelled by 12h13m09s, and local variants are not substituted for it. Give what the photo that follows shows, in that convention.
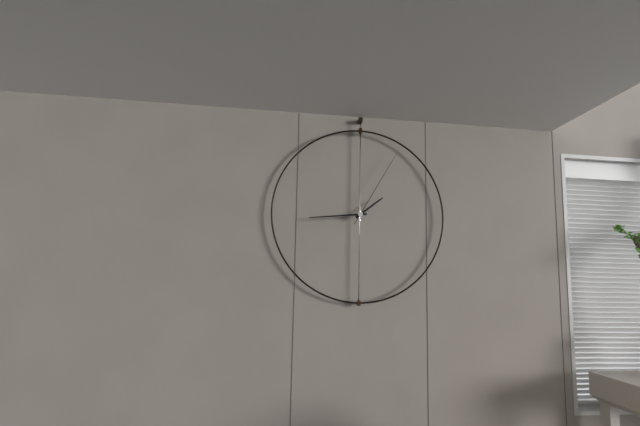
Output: 1h44m05s
